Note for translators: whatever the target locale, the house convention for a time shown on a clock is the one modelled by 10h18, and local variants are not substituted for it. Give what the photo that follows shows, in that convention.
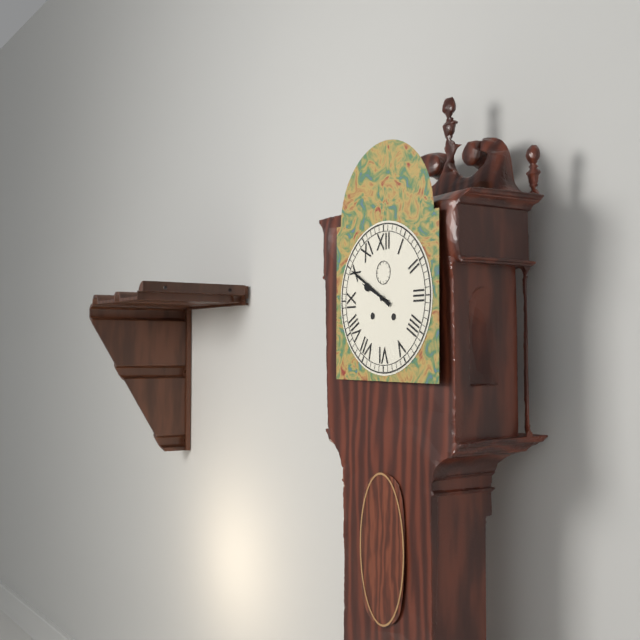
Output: 9h50
